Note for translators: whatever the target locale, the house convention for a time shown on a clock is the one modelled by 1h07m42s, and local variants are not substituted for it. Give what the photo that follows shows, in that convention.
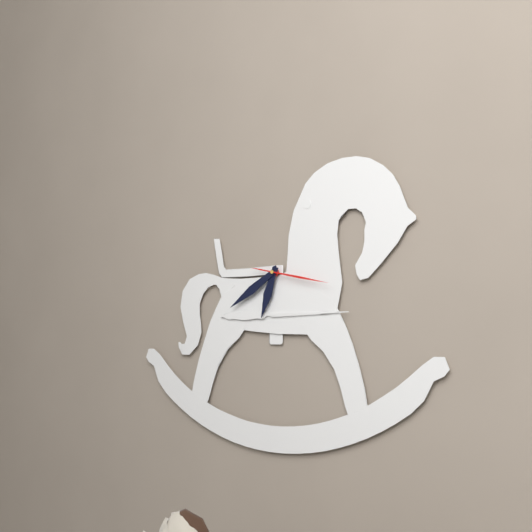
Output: 6h40m17s
